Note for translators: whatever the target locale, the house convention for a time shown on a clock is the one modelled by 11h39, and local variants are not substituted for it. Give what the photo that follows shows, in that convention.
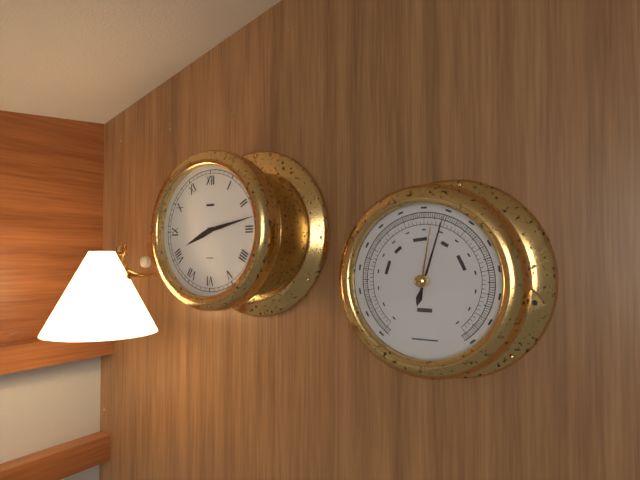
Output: 8h13
